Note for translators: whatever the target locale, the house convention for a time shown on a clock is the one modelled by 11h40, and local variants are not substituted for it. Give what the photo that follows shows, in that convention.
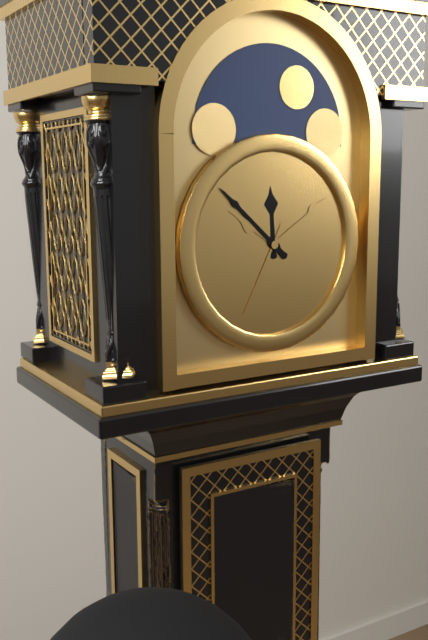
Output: 11h52
